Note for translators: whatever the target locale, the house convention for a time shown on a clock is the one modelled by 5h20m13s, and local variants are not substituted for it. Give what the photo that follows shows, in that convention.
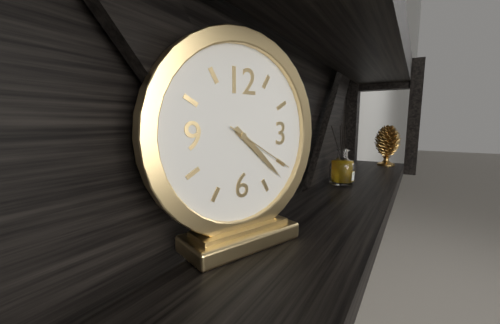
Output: 4h22m20s
